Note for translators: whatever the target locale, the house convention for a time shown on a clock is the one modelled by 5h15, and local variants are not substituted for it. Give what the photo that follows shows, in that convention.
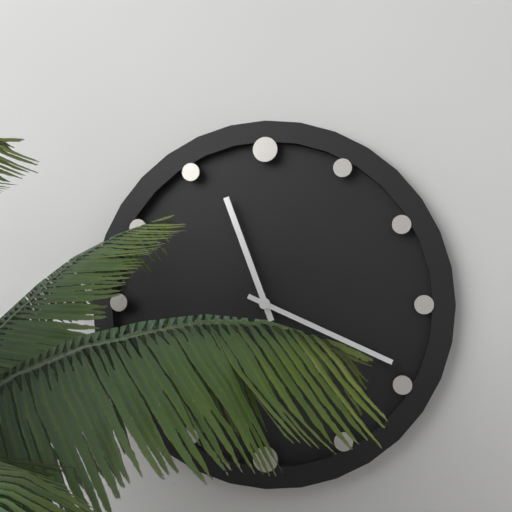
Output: 11h19
